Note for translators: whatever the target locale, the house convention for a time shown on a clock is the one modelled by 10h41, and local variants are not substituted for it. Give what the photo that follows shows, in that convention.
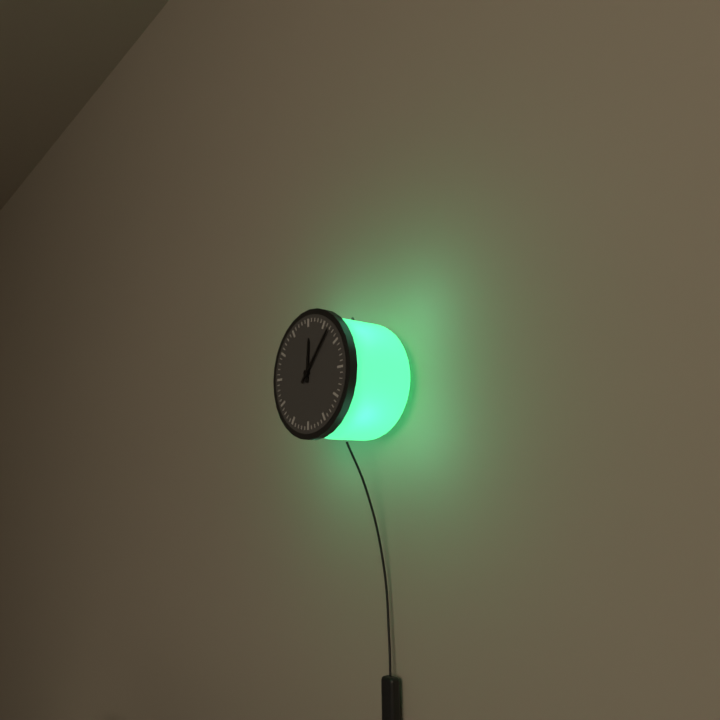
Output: 12h07
